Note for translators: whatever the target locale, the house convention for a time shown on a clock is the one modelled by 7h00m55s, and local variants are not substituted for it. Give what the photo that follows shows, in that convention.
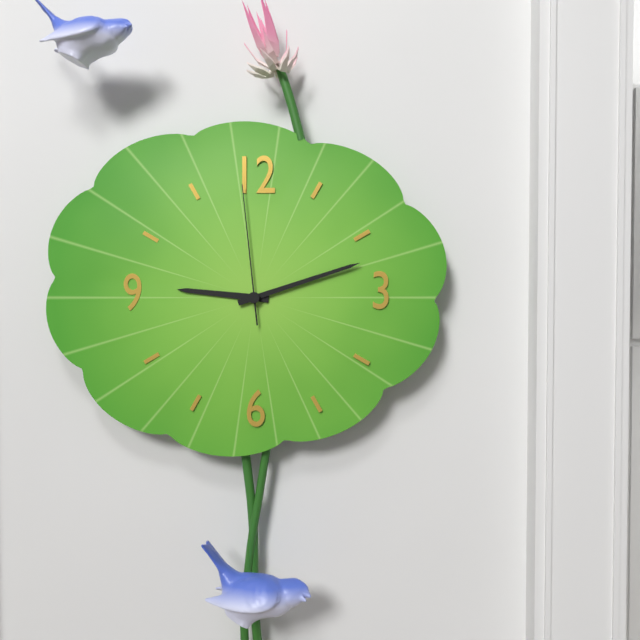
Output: 9h12m59s
